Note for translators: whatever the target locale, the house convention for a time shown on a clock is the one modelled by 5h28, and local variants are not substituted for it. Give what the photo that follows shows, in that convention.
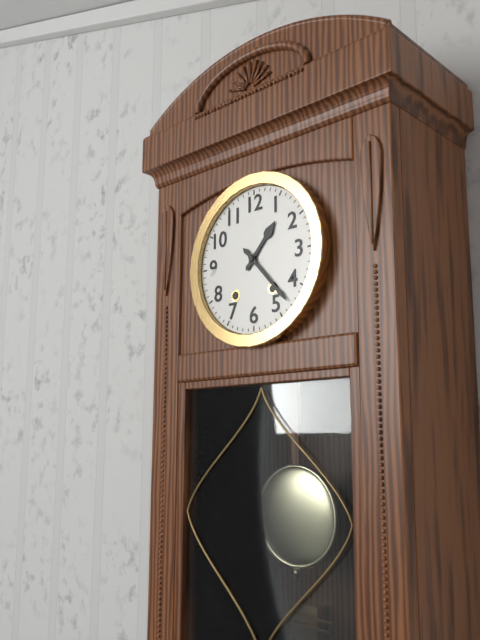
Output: 1h23
